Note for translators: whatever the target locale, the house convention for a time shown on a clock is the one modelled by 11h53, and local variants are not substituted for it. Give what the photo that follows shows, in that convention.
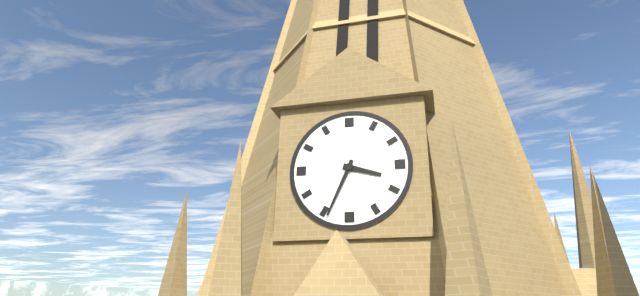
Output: 3h34
